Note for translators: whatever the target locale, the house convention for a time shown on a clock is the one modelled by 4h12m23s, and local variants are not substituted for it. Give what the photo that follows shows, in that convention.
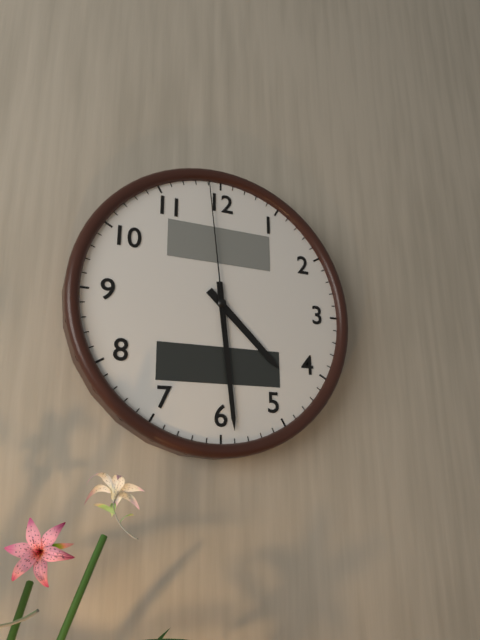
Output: 4h29m59s
